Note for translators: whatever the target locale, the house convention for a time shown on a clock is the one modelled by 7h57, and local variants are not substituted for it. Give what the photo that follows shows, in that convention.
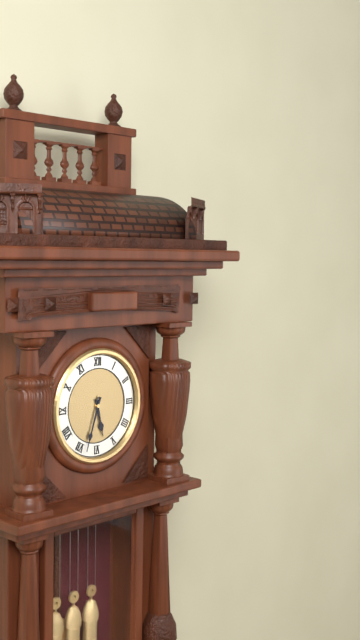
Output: 5h33
